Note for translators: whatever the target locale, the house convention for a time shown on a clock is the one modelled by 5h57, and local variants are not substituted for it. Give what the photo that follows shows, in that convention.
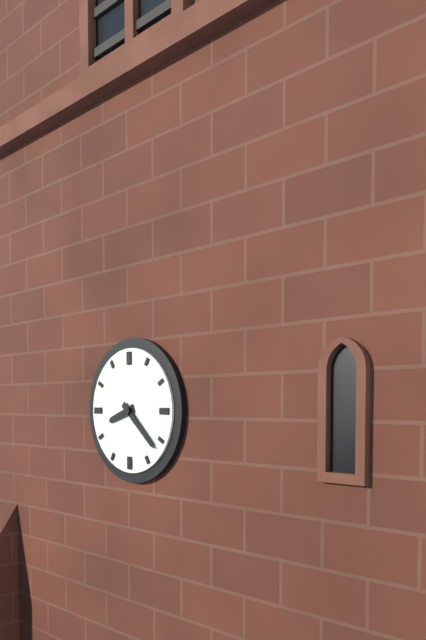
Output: 8h22
